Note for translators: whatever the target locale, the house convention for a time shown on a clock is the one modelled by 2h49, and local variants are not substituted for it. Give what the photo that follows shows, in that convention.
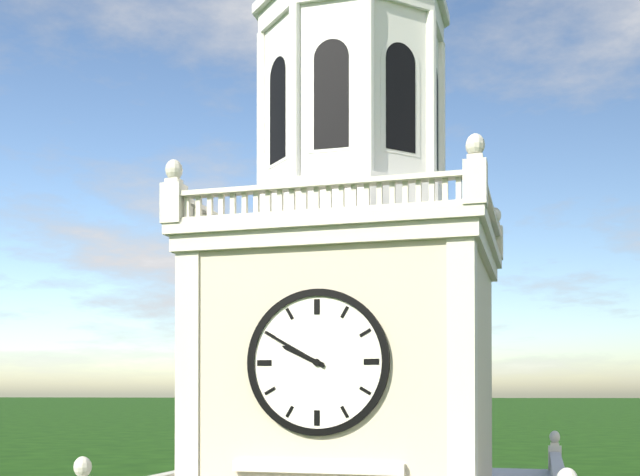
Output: 9h50
